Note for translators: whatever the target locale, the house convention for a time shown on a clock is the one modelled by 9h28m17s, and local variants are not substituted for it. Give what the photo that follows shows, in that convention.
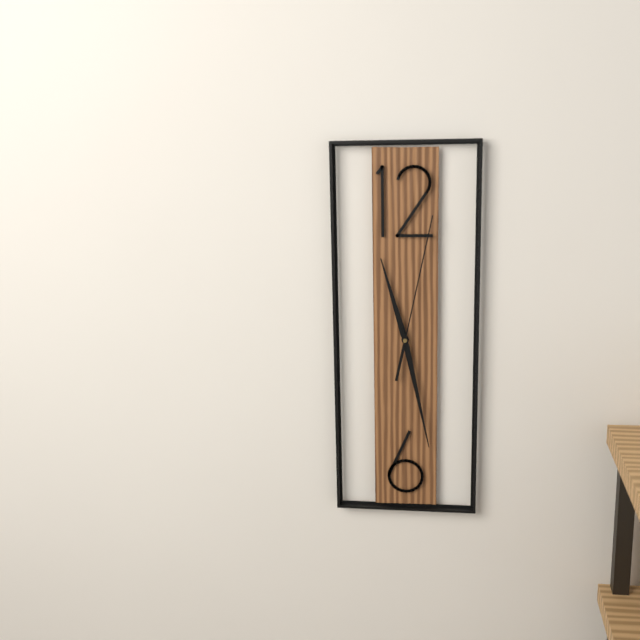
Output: 11h28m02s
